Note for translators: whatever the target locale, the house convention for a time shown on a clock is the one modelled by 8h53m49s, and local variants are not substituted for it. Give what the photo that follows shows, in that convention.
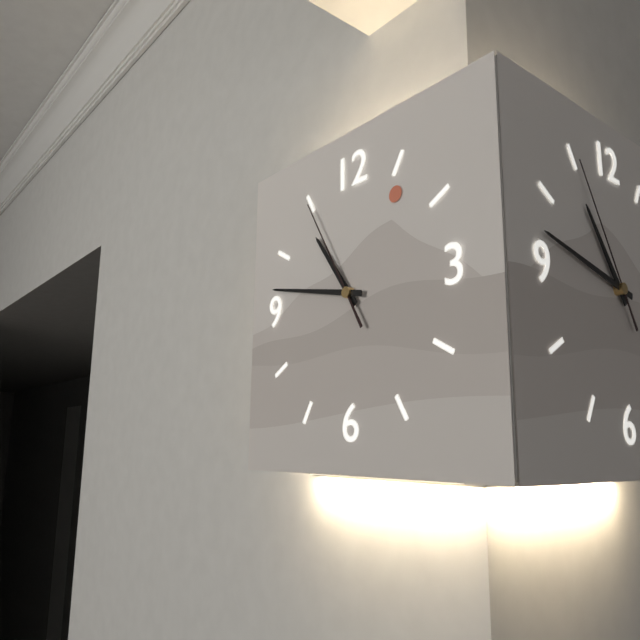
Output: 10h47m55s
